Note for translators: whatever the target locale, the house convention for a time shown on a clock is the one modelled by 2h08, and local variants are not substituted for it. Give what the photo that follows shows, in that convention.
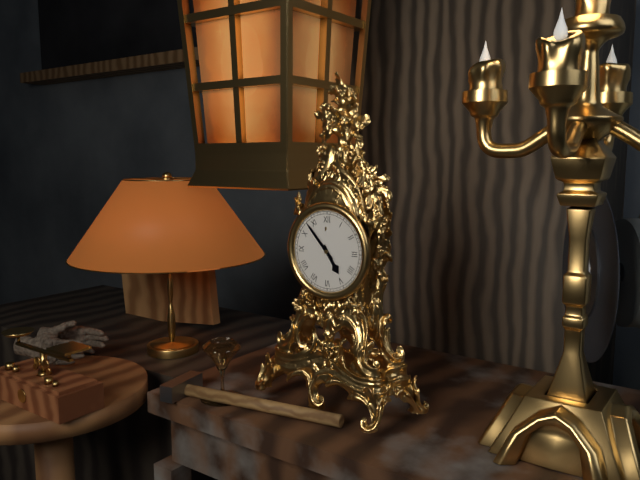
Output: 4h53
